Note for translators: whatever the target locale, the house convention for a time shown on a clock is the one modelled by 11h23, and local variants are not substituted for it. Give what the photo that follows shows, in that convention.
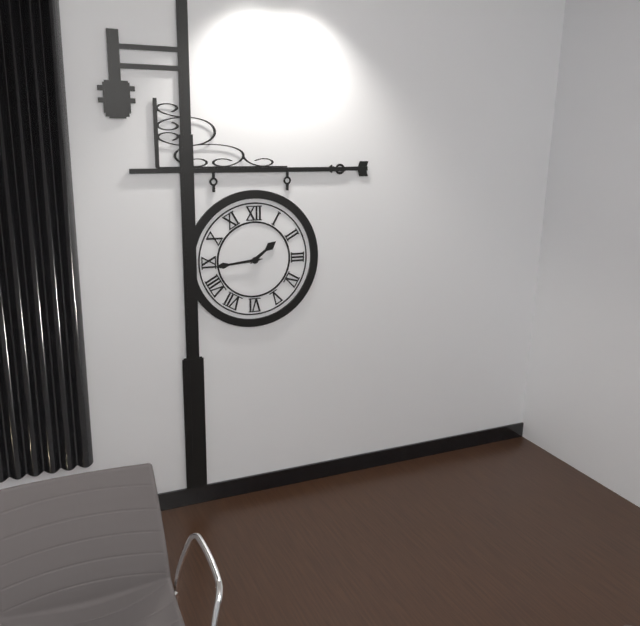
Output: 1h44
